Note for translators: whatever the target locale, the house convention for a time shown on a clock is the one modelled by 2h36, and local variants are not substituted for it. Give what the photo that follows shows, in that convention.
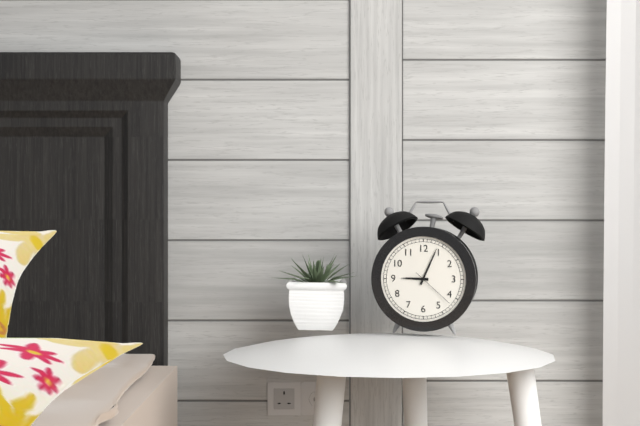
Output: 9h04
